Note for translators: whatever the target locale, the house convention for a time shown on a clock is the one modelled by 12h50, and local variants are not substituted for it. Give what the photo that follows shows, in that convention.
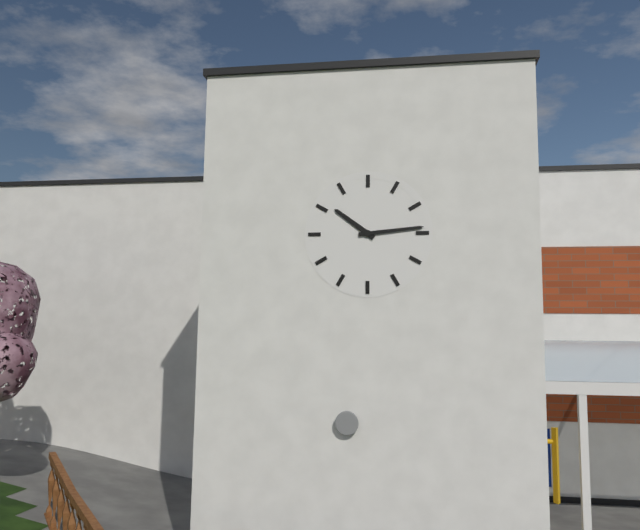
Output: 10h14
